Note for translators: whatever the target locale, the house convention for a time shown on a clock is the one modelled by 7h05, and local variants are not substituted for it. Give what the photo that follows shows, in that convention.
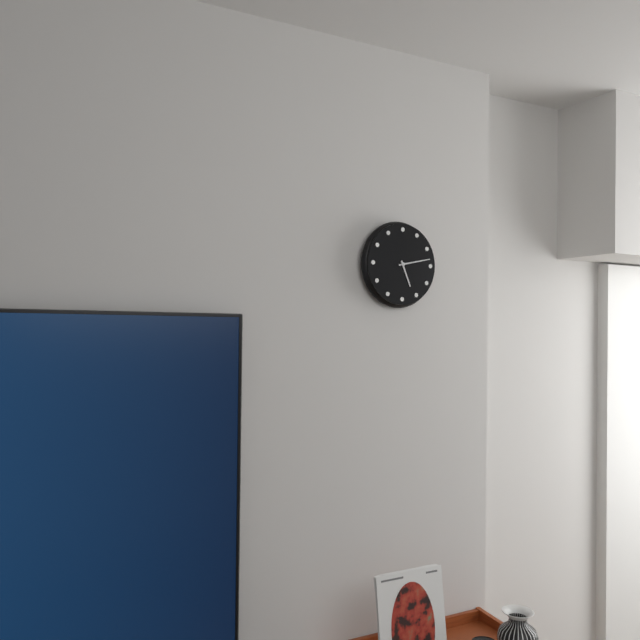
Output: 5h13
